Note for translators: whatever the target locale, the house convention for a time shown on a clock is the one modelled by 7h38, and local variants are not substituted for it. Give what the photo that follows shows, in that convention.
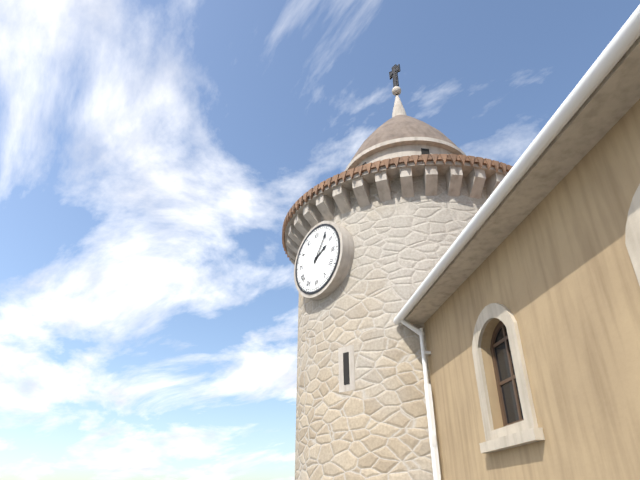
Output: 2h06
